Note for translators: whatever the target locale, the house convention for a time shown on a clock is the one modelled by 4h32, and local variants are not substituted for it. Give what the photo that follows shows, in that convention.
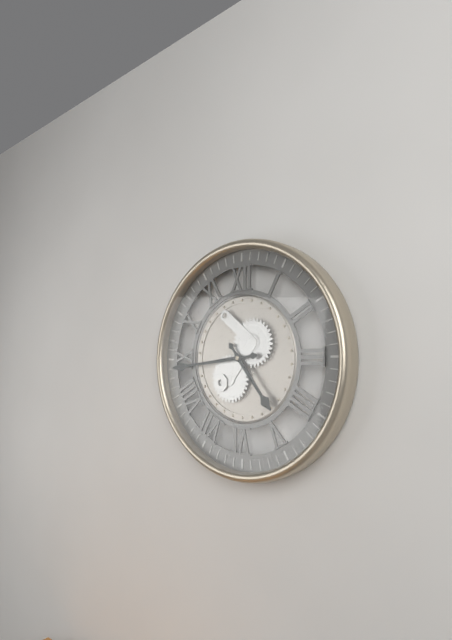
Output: 4h44
